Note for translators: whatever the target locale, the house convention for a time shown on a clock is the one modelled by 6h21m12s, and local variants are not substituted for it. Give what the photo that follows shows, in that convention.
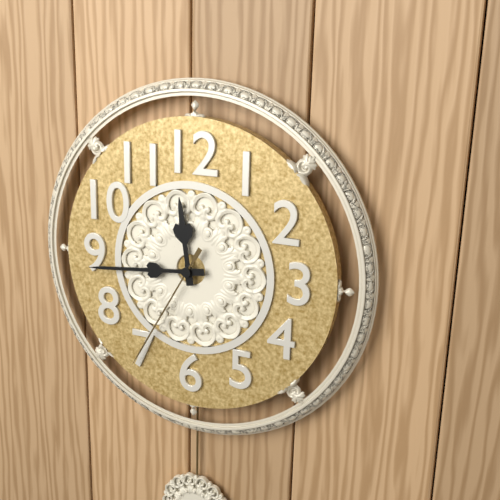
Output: 11h44m35s
